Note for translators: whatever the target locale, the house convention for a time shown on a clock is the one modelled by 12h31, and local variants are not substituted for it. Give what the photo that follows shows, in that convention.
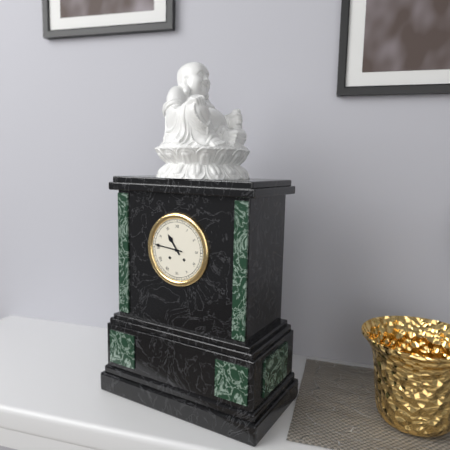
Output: 10h46
